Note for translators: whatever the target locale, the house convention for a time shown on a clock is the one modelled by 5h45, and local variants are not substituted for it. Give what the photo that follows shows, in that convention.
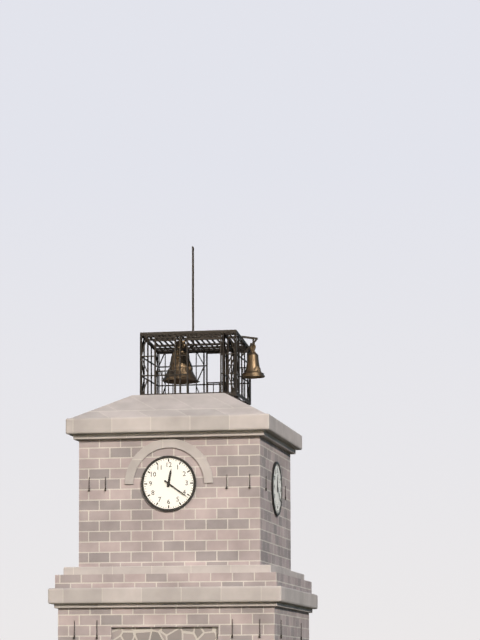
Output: 12h21
